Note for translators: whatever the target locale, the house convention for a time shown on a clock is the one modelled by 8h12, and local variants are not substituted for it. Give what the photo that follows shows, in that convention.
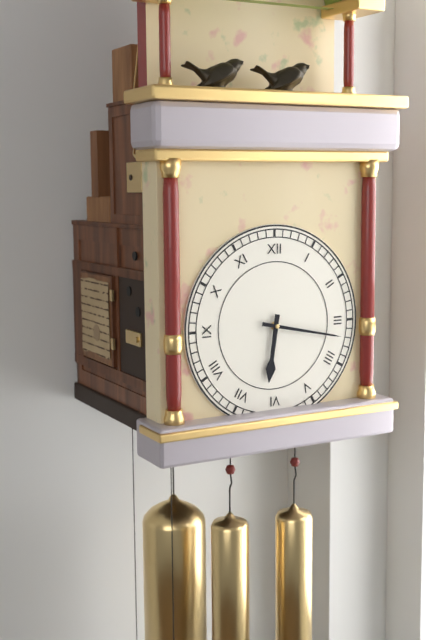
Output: 6h17
